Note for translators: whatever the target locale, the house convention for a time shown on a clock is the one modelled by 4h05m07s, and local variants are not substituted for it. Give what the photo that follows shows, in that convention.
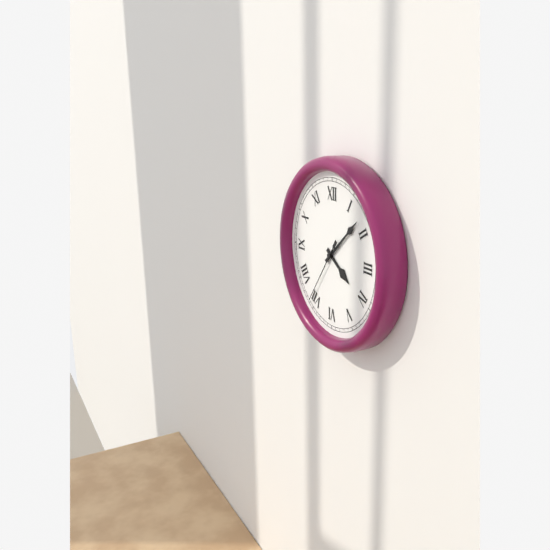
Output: 4h08m36s
